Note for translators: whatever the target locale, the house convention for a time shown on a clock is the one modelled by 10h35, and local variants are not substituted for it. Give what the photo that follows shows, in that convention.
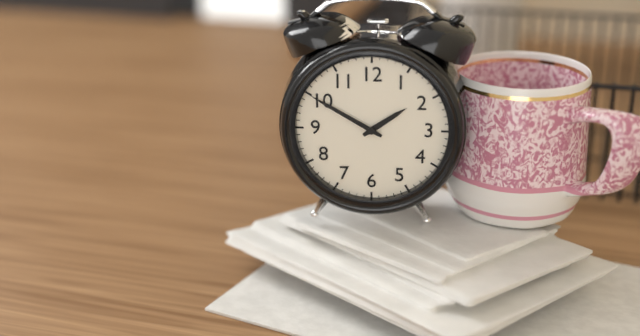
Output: 1h50
